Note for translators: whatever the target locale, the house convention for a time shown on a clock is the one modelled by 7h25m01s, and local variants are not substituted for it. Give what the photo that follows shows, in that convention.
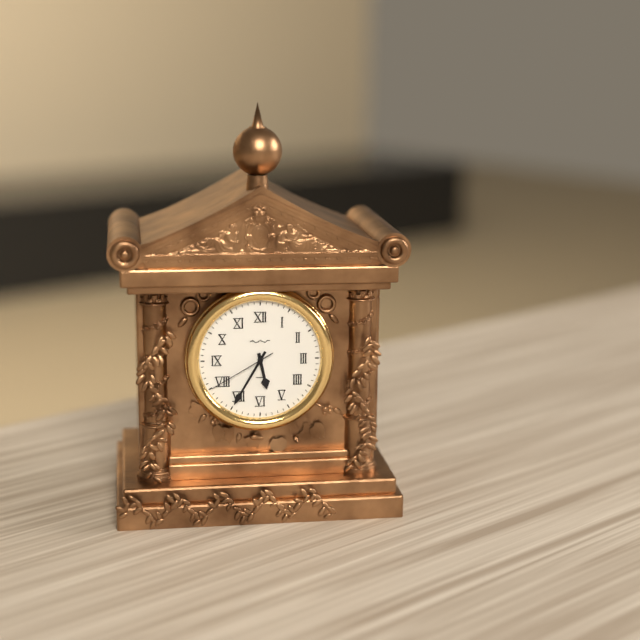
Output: 5h35m40s
